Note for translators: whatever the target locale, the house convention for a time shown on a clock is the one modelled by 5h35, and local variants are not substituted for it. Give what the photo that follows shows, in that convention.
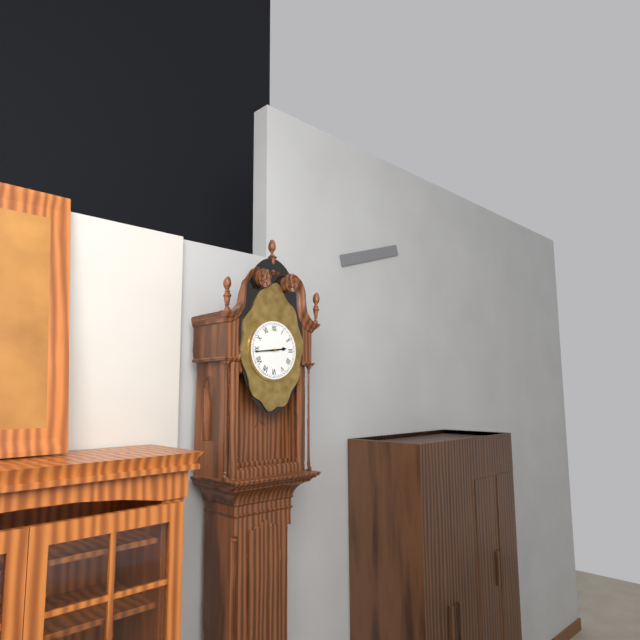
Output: 2h44
